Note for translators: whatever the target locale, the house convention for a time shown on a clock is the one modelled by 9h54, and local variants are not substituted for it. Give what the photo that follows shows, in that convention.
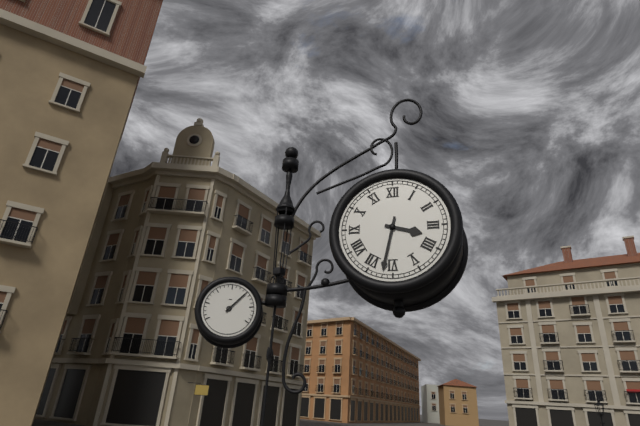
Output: 3h32
